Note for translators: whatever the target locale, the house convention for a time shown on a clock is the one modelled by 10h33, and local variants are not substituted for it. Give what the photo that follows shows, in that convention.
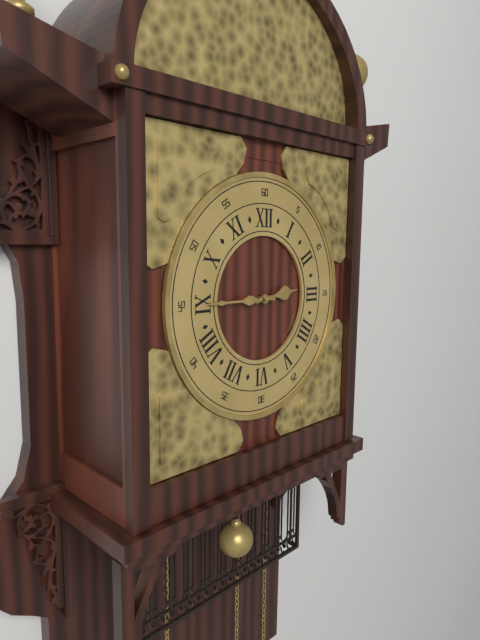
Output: 2h45
